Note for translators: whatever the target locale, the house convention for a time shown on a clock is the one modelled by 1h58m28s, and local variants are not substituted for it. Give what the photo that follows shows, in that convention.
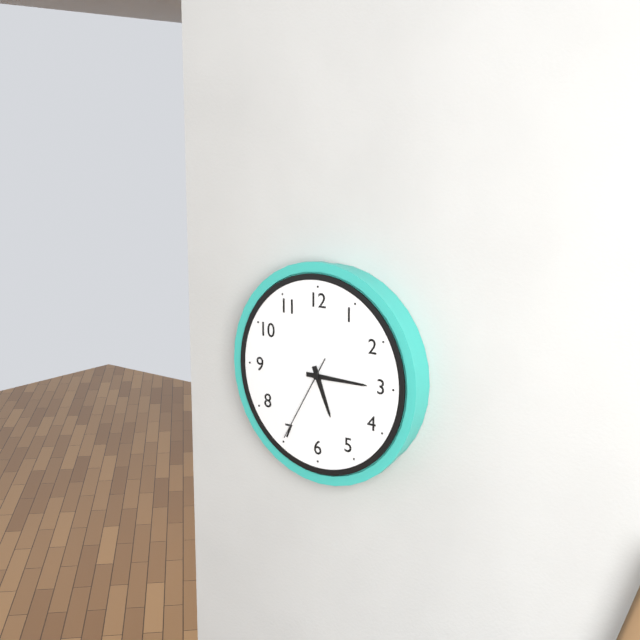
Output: 5h15m35s
